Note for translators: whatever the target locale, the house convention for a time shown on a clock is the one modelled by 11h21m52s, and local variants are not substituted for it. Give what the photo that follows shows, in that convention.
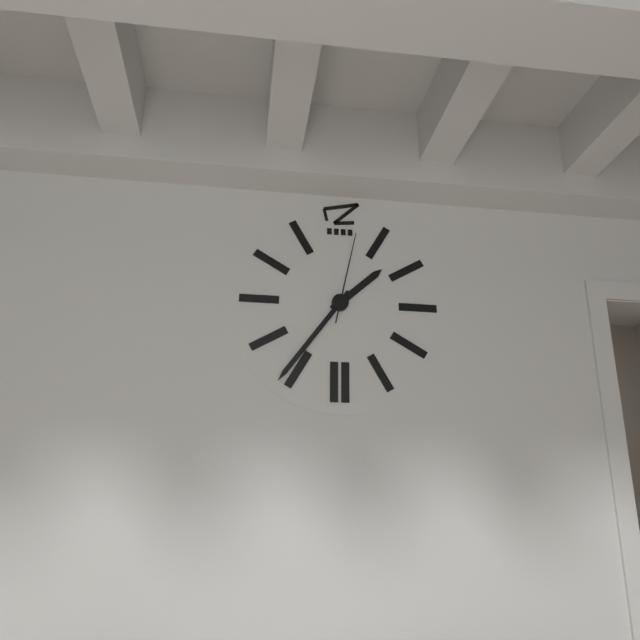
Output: 1h36m02s
